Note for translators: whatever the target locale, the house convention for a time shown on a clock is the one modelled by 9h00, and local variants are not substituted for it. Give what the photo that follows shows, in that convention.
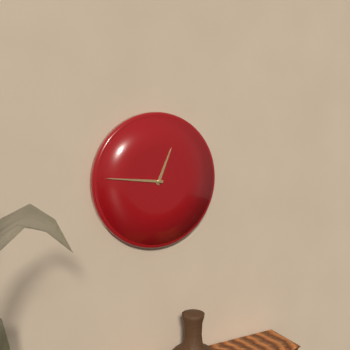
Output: 12h46
